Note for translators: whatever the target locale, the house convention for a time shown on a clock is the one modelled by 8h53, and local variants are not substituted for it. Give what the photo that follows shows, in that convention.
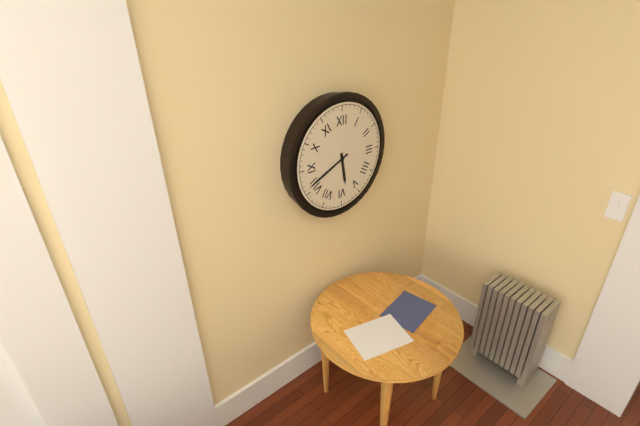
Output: 5h41
